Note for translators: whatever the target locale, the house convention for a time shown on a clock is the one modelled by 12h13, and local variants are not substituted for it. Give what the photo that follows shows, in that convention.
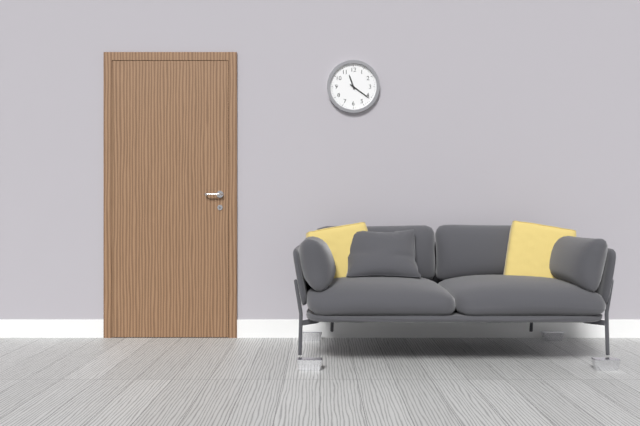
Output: 11h21
